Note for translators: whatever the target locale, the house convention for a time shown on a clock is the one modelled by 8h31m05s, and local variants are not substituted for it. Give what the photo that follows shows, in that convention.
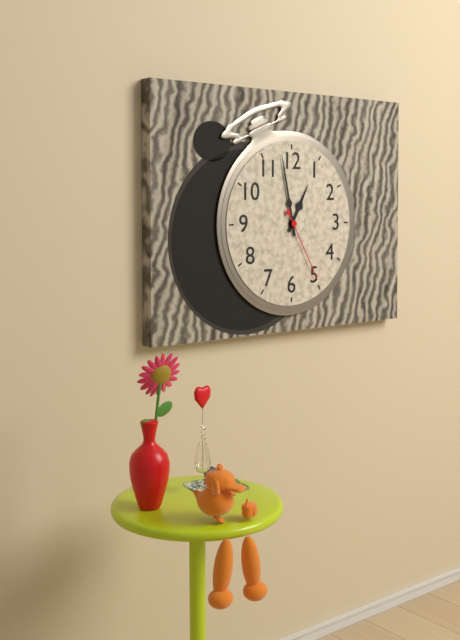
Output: 12h58m25s
